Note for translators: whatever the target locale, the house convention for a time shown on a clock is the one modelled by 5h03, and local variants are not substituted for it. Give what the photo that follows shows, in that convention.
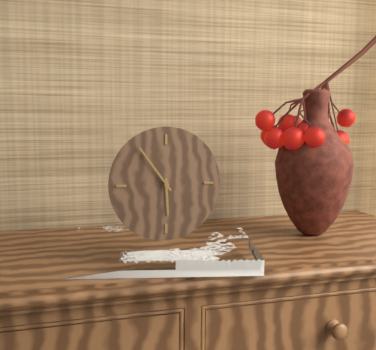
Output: 5h54
